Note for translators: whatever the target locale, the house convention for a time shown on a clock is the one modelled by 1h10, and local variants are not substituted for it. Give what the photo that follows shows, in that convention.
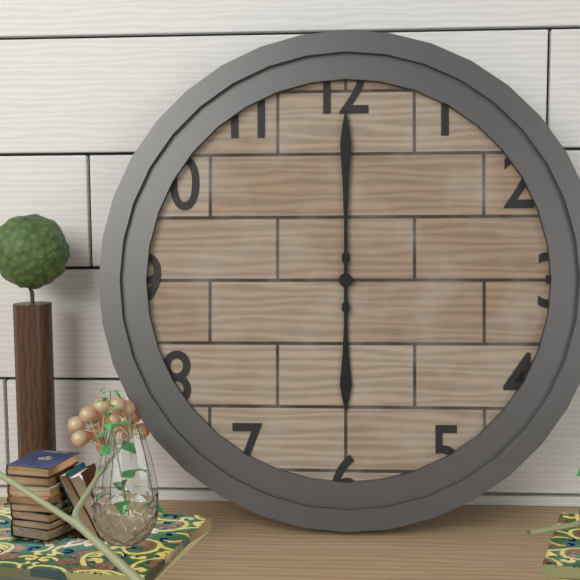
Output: 6h00
